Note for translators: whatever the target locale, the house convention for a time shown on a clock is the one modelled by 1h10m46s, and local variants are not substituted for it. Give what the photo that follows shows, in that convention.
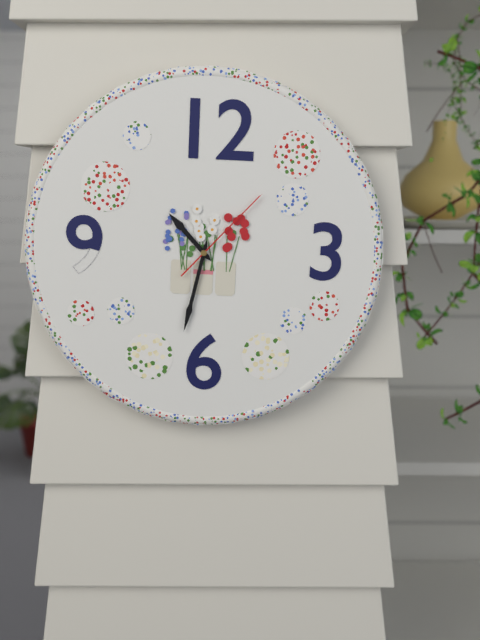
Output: 10h32m07s
